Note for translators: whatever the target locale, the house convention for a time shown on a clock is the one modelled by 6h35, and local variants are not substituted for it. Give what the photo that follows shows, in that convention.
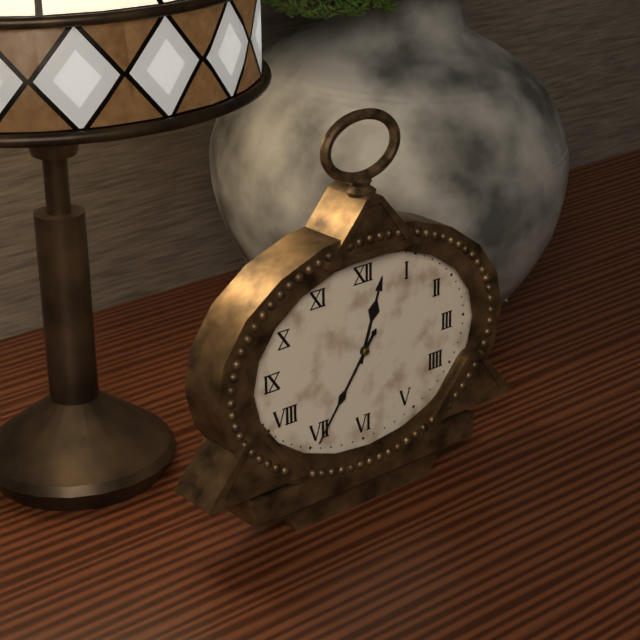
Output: 12h36
